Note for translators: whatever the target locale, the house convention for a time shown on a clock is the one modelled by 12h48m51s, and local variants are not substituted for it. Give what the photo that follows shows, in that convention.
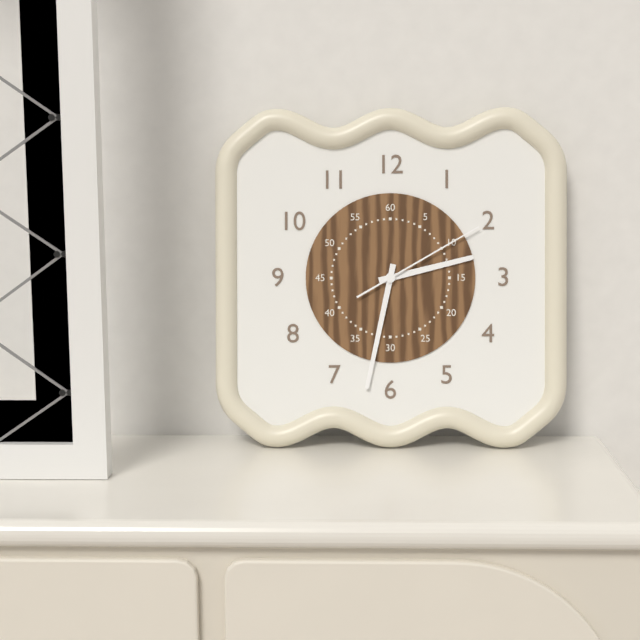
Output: 2h32m10s
